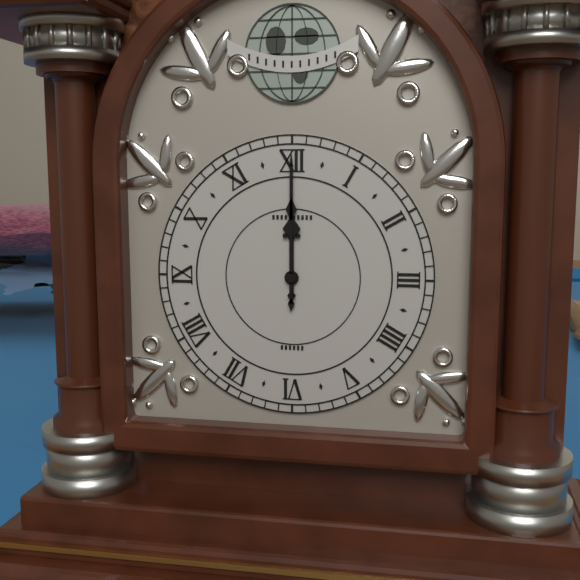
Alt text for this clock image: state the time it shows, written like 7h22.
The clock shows 12h00
